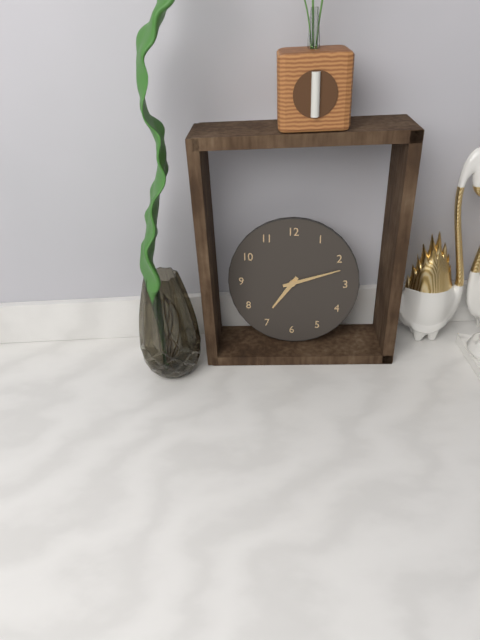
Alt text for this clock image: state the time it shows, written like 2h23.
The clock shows 7h12
